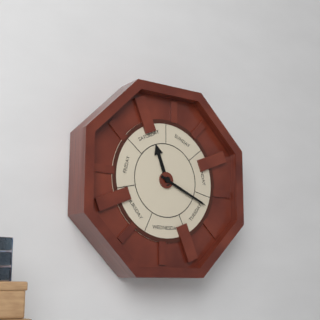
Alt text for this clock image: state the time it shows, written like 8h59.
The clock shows 11h19
